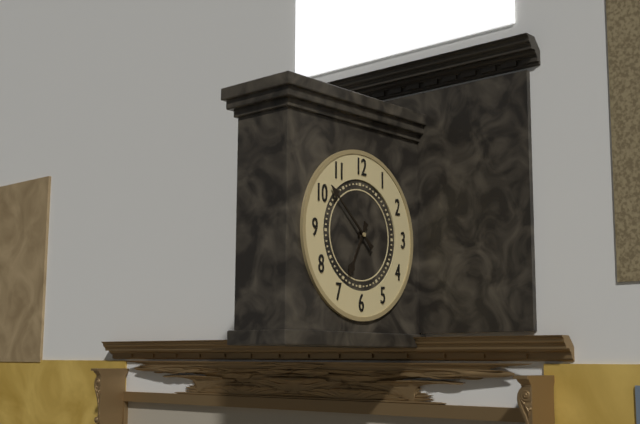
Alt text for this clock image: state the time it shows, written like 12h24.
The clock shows 6h52
